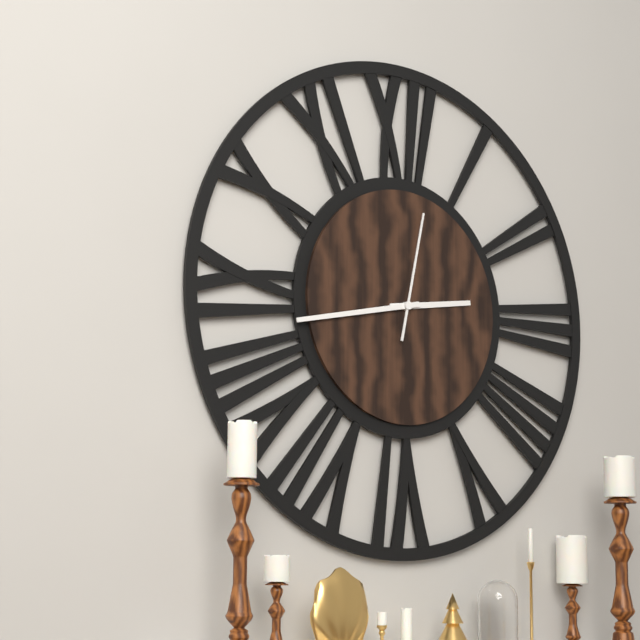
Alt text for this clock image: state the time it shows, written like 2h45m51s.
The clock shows 2h43m02s
